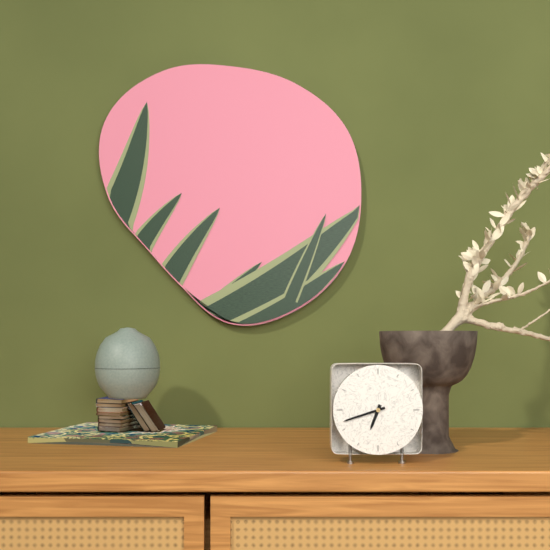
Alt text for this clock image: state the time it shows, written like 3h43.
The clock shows 6h42
